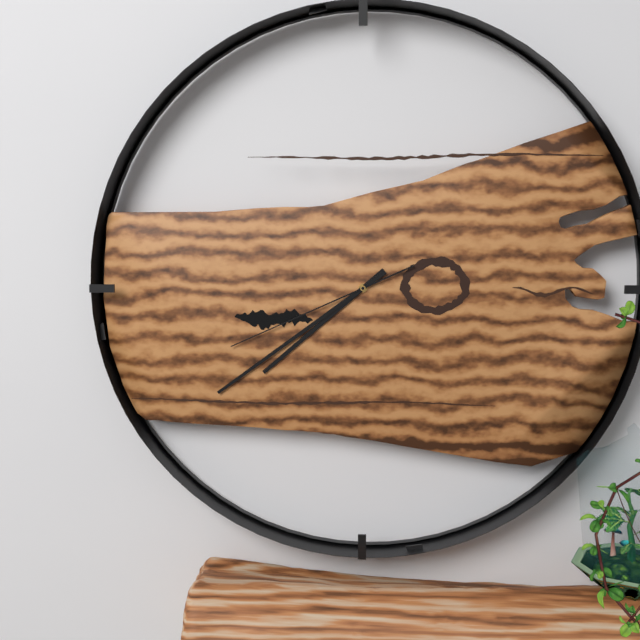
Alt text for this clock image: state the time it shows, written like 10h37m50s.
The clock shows 7h39m41s
